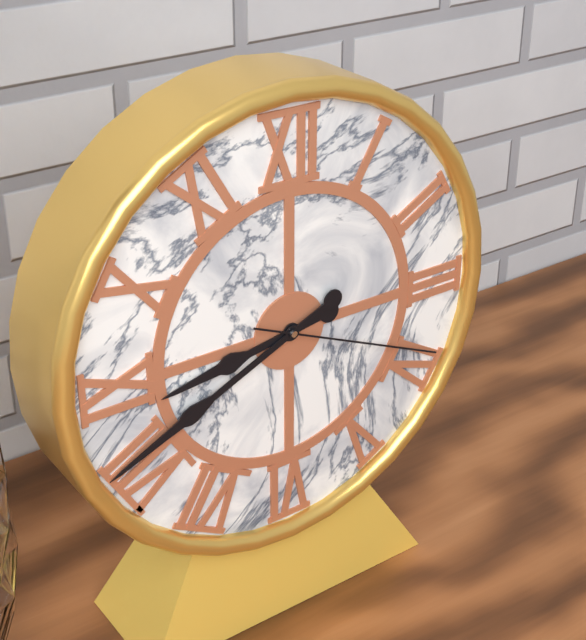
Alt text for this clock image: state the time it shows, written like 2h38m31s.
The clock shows 8h41m19s
